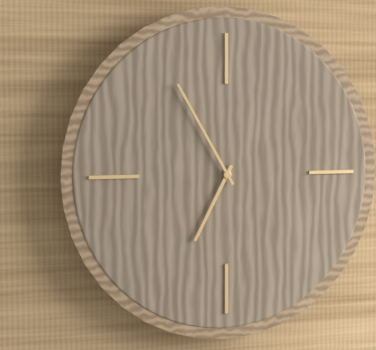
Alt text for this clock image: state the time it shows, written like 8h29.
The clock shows 6h55
